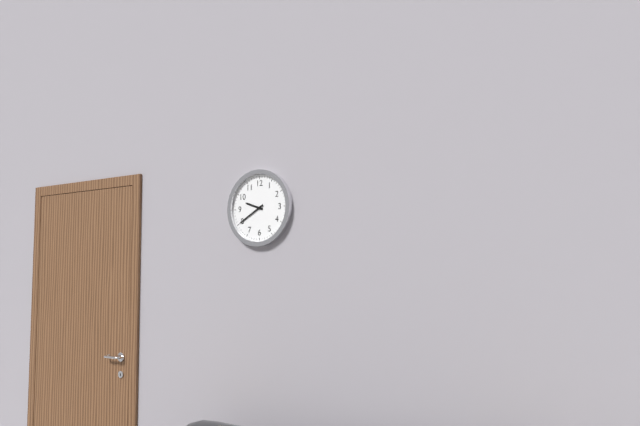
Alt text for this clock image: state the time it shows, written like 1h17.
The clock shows 9h40
